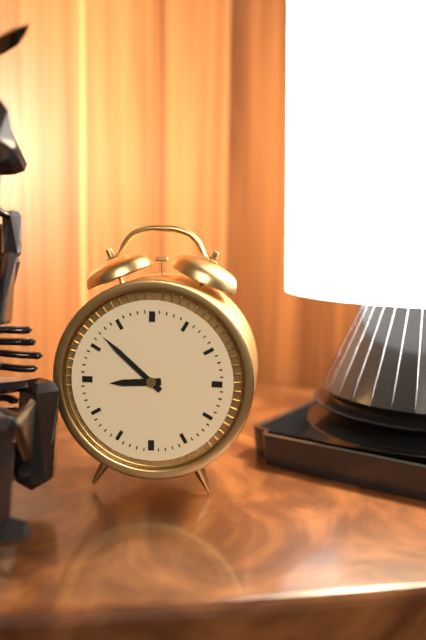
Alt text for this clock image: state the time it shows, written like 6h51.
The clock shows 8h52
